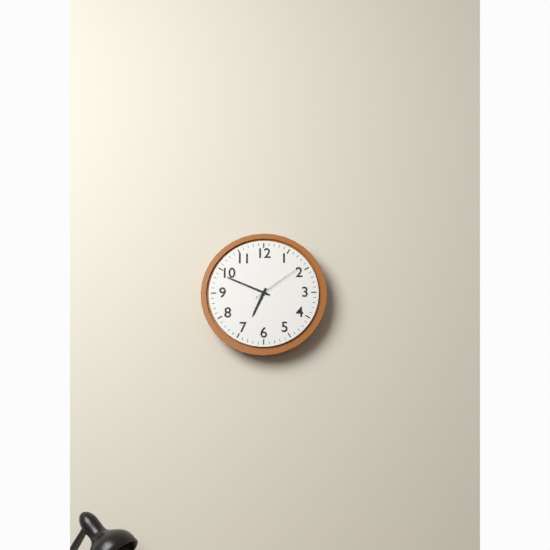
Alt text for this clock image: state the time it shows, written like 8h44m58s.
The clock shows 6h49m09s
